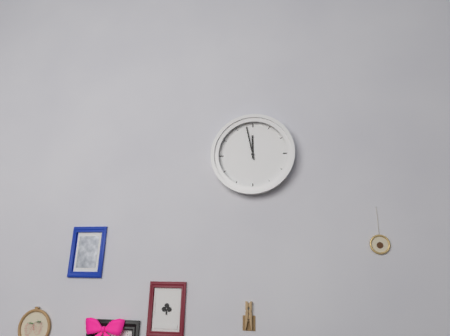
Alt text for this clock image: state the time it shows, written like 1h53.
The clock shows 11h58
